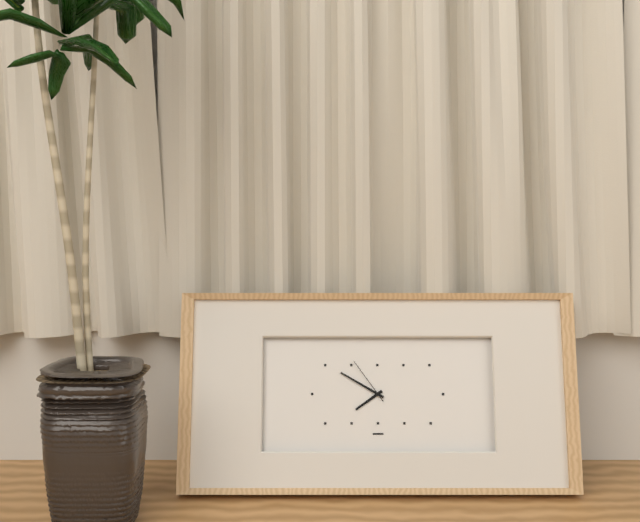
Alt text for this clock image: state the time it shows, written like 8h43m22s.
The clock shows 7h50m54s
